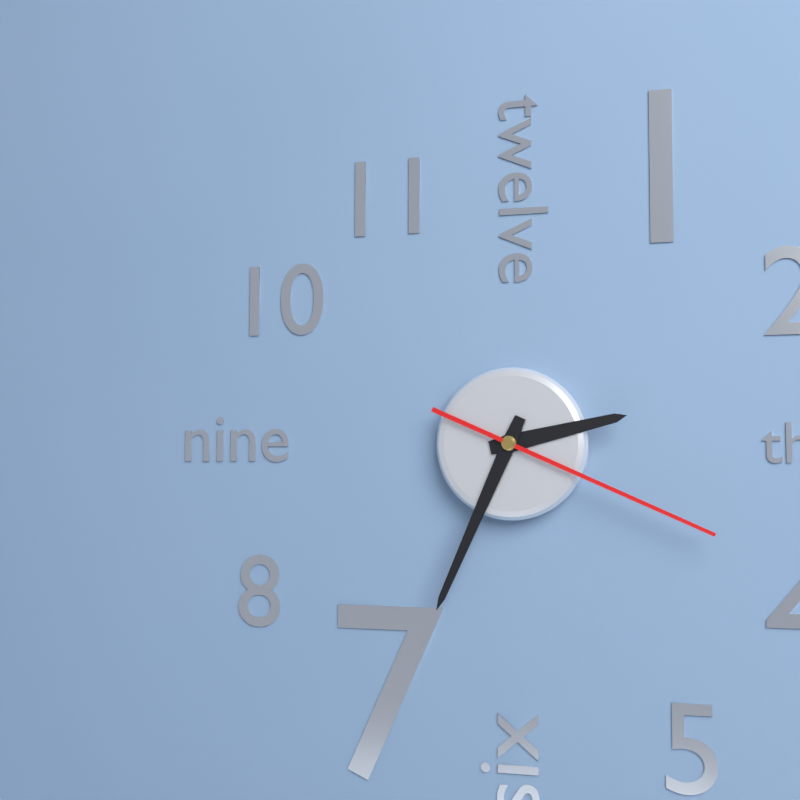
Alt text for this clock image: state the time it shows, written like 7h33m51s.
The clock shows 2h34m19s
